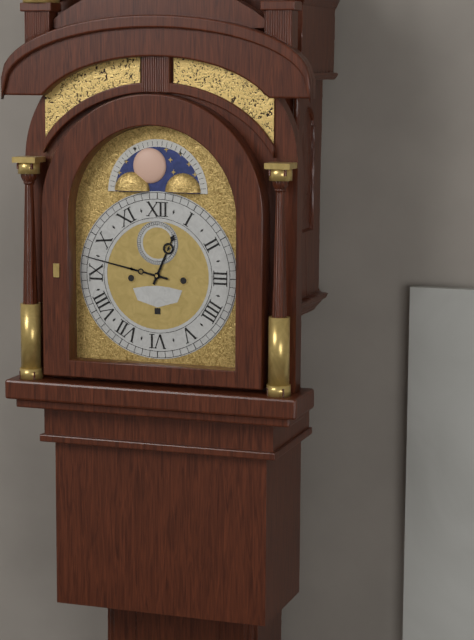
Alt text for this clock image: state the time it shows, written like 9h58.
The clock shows 12h47
